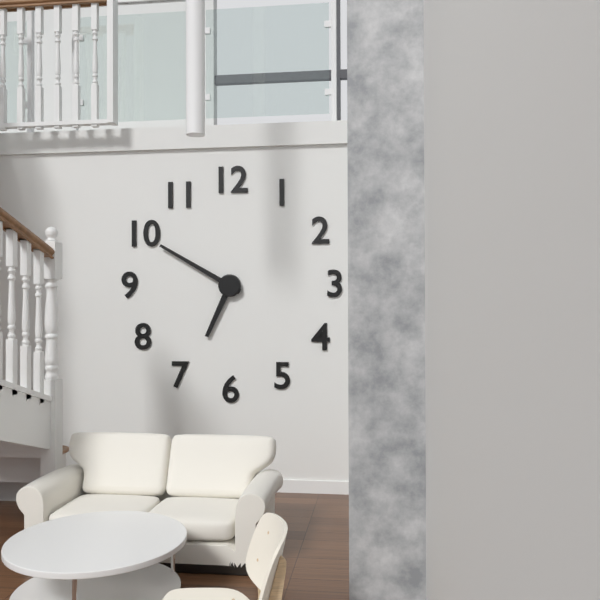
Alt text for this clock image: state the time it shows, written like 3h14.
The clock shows 6h50
